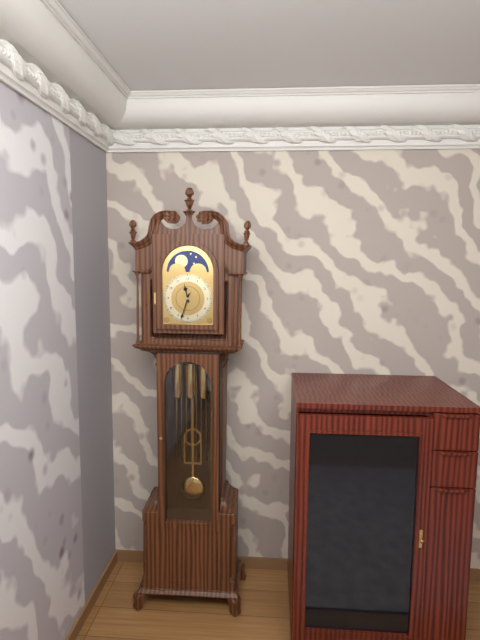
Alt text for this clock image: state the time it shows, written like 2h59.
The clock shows 11h33
